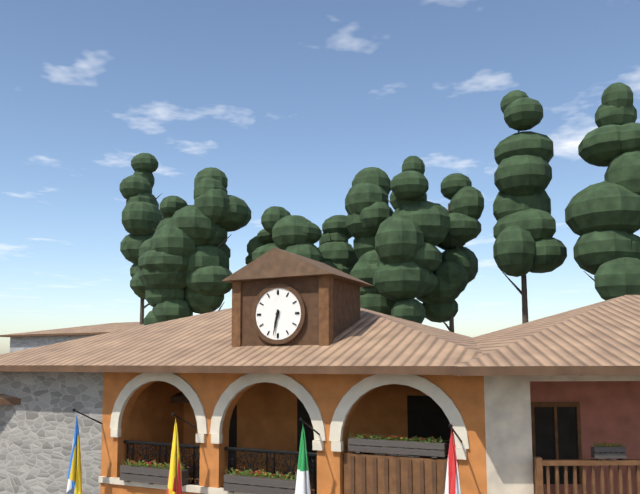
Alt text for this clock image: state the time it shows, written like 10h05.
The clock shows 6h32
